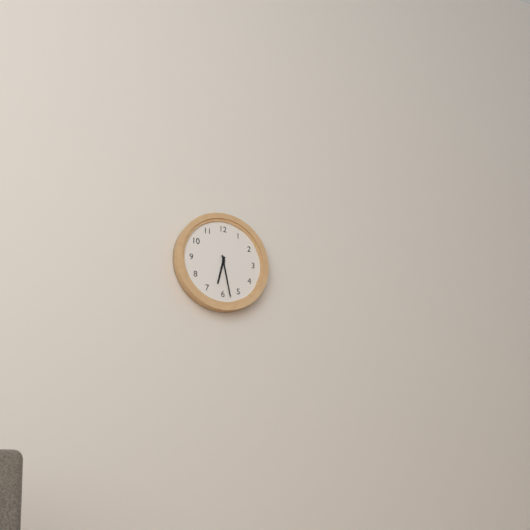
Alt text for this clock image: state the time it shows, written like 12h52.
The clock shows 6h28
